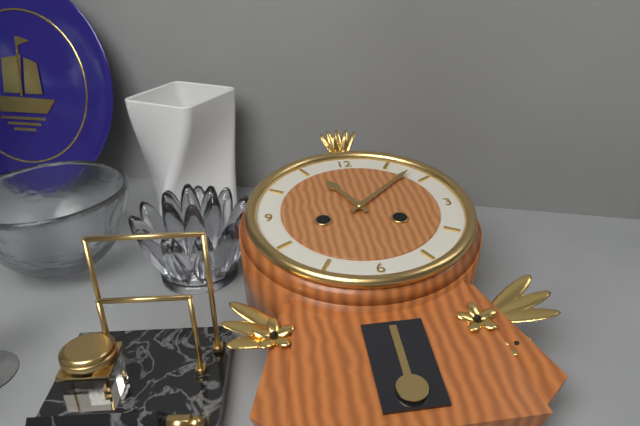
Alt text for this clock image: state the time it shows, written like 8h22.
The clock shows 11h08
